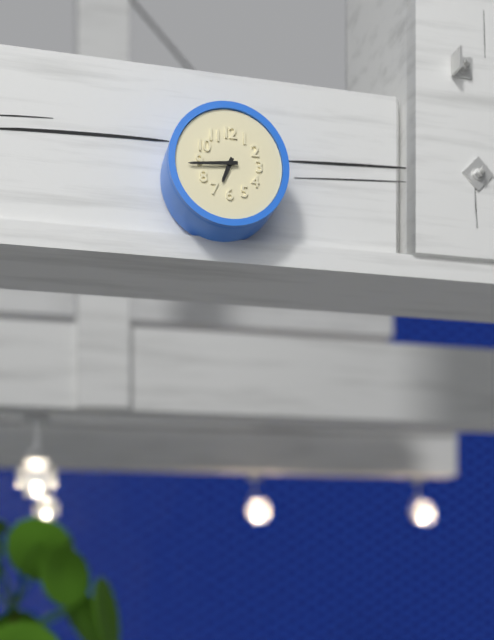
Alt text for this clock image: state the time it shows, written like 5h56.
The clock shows 6h44
